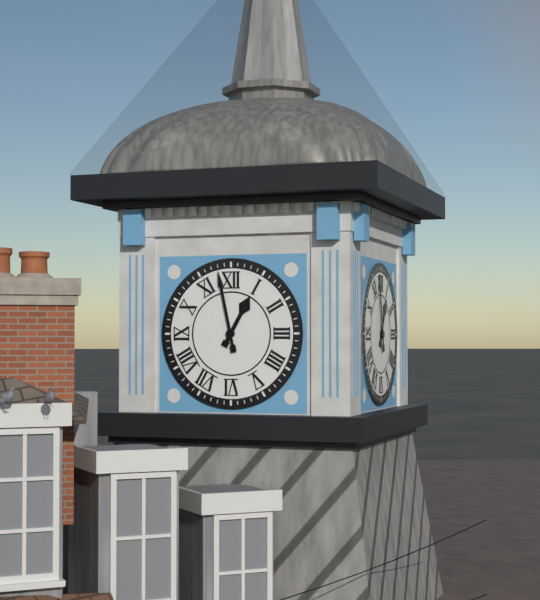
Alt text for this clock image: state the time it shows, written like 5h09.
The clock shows 12h58
